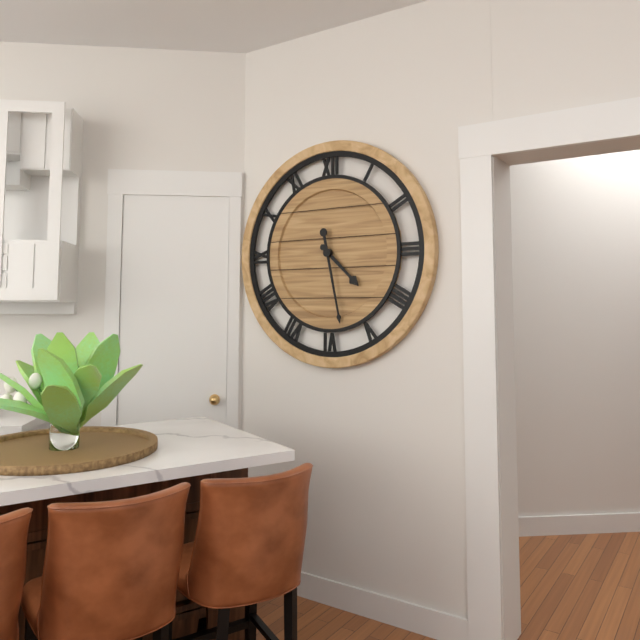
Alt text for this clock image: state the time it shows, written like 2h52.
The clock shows 4h28
